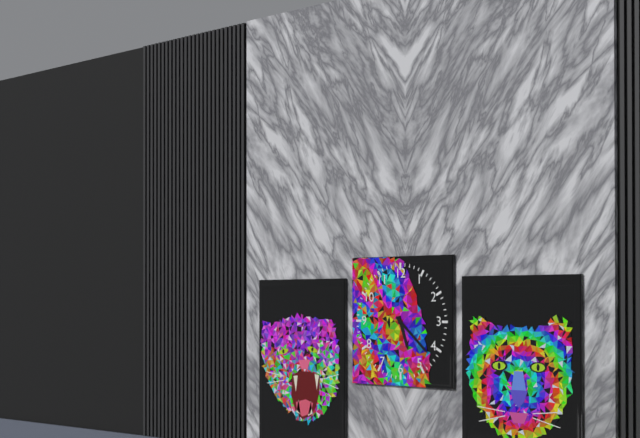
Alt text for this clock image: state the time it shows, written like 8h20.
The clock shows 5h22
